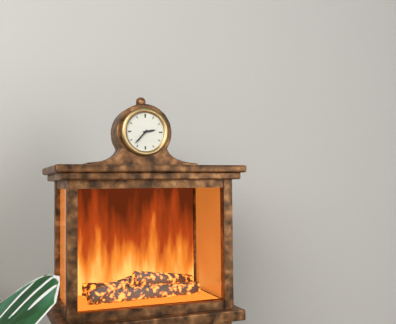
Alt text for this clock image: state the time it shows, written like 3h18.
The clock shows 2h37
